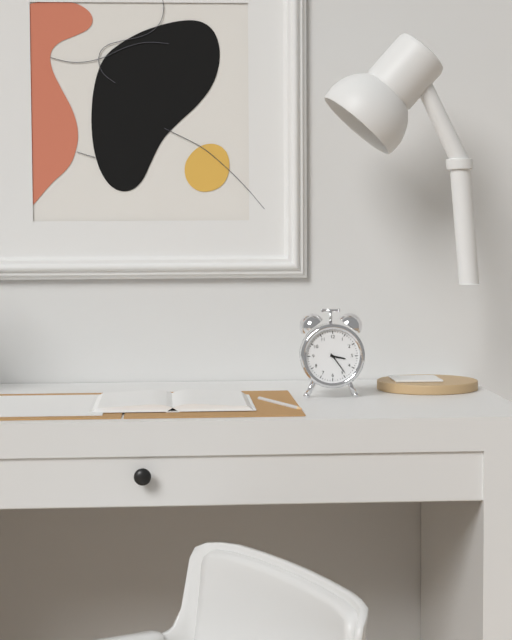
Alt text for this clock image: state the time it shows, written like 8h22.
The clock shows 3h24
